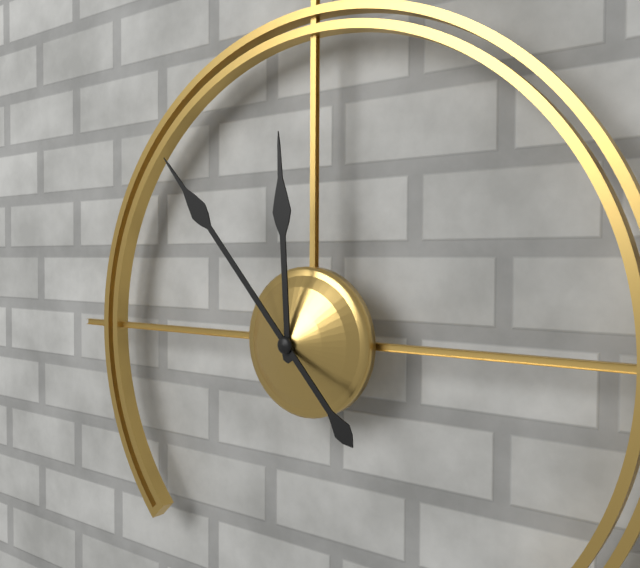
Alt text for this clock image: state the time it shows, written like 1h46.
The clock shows 11h53
